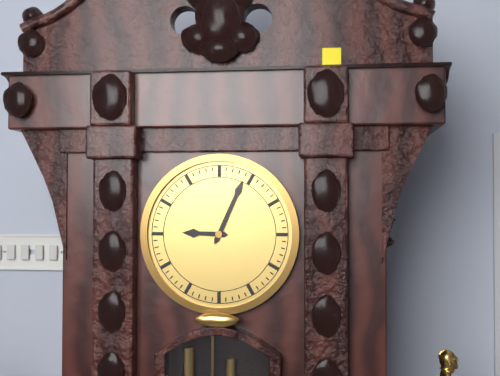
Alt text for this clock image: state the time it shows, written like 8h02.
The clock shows 9h04
